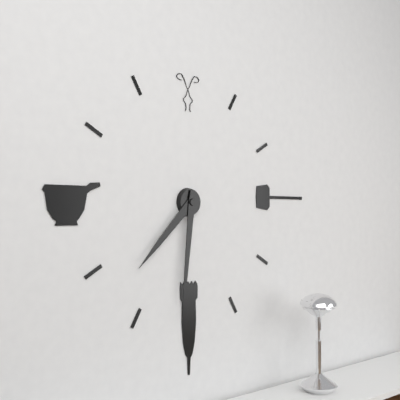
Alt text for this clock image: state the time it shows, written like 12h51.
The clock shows 7h31
